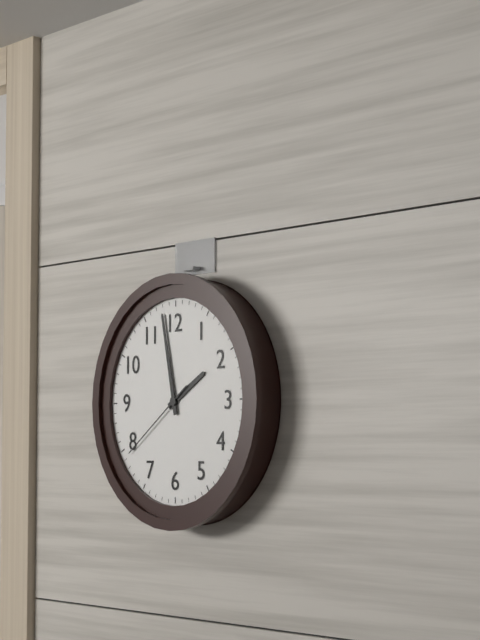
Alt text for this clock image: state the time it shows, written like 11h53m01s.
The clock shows 1h58m39s
